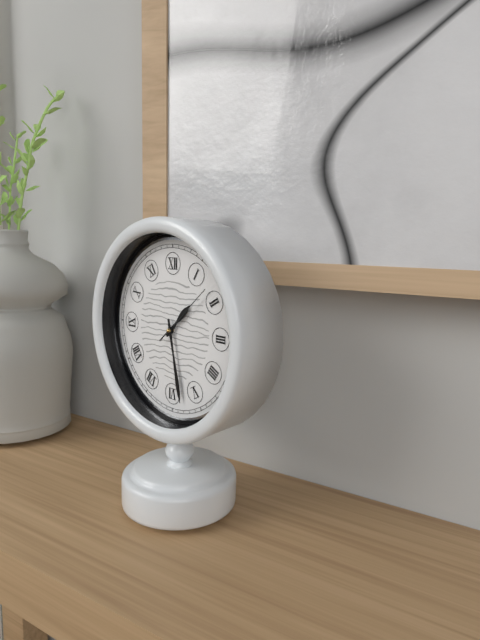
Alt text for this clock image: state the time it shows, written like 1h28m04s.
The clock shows 1h28m08s
